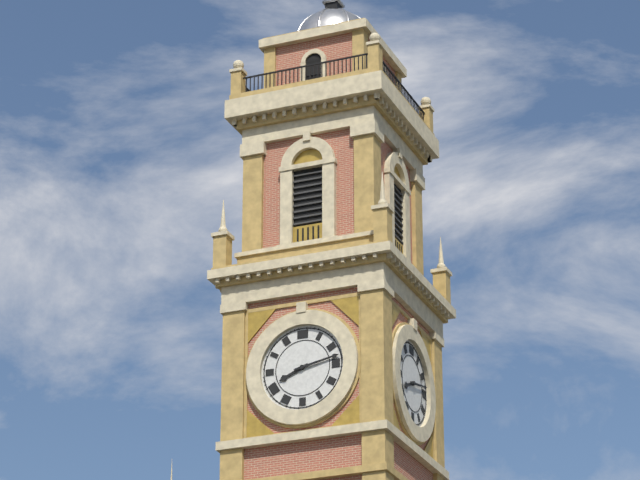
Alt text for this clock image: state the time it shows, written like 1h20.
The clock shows 8h13
